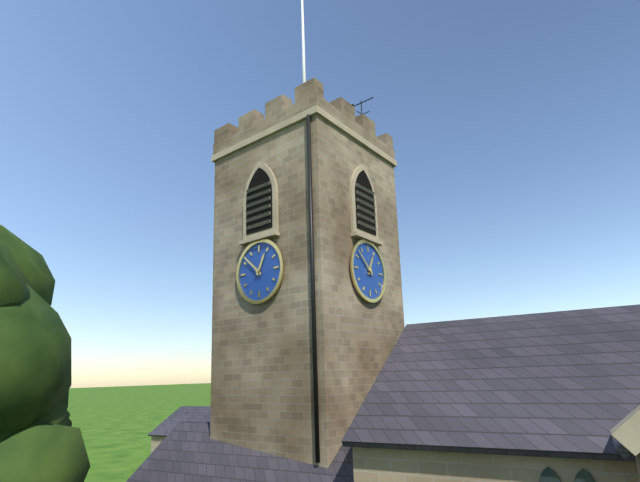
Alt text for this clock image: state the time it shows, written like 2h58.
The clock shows 12h52
